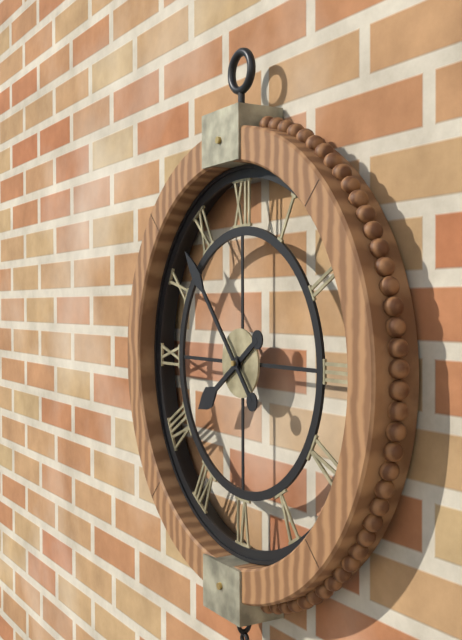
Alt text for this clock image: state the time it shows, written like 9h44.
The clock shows 7h53
